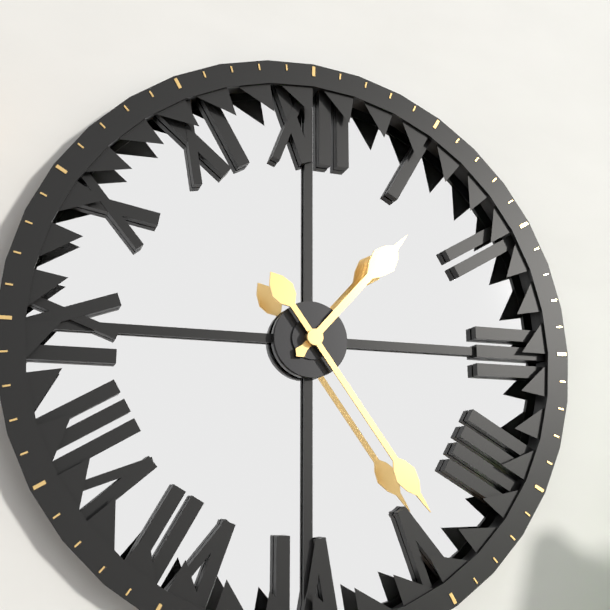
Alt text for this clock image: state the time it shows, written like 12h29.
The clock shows 1h24
